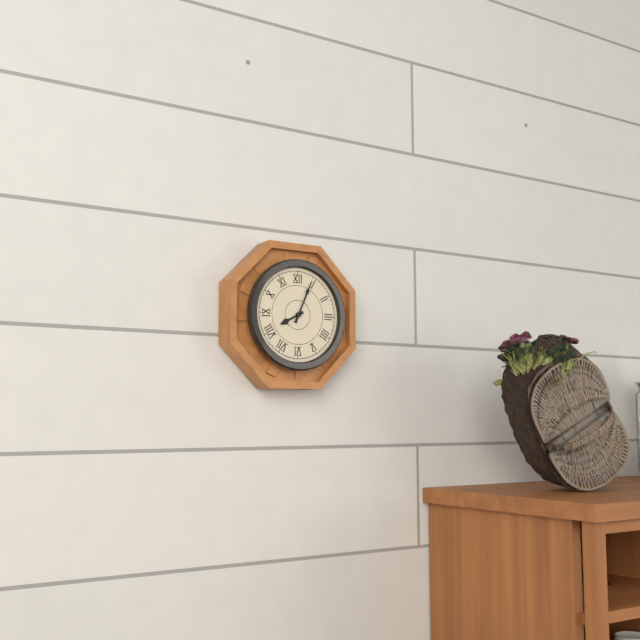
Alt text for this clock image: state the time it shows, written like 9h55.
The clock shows 8h04
